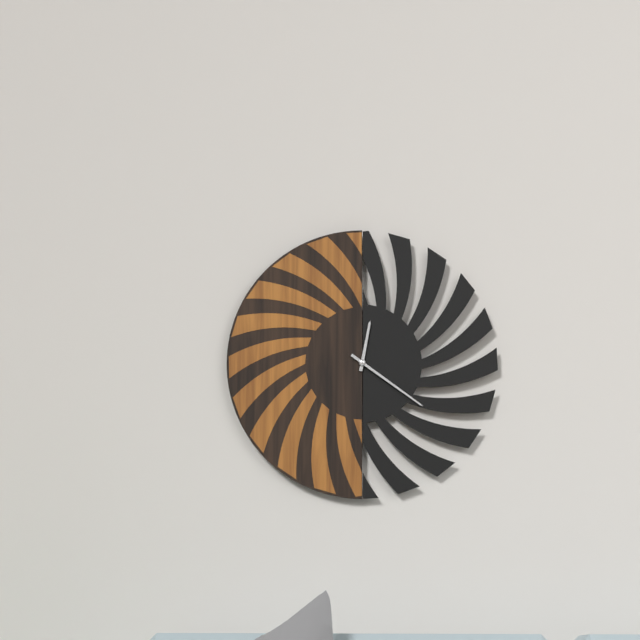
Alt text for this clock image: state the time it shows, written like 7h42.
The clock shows 12h21
